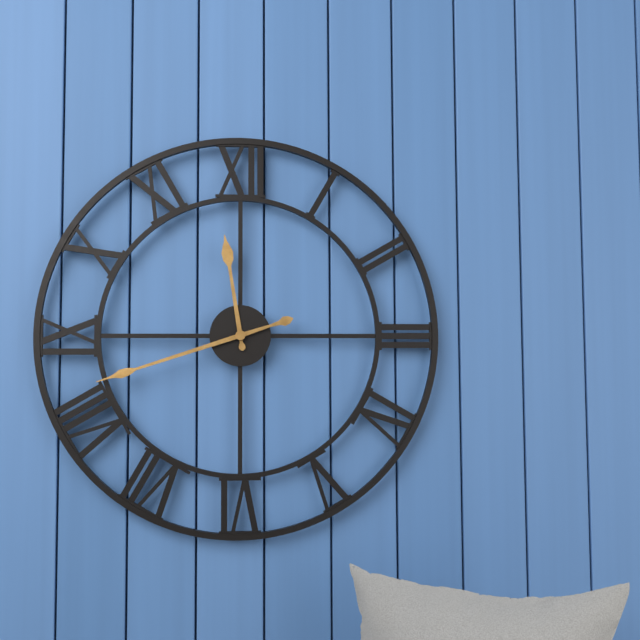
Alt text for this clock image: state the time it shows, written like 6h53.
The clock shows 11h42
